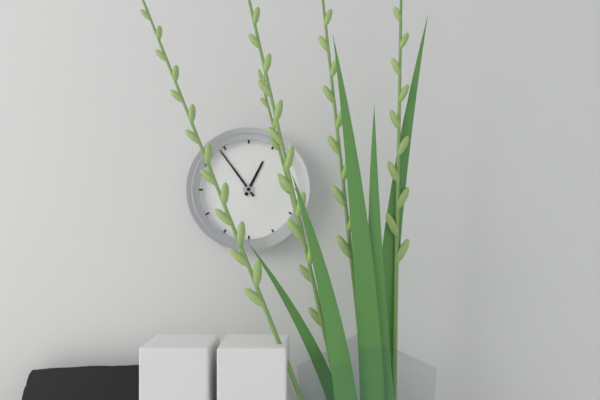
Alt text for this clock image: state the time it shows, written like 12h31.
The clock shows 12h54
